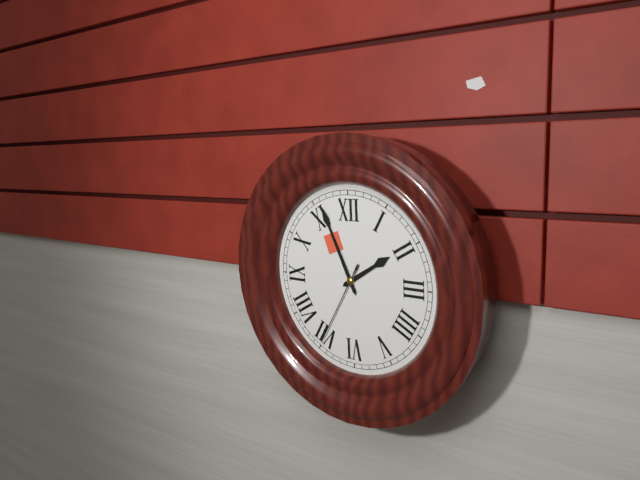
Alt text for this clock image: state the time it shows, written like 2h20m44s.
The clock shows 1h56m35s
